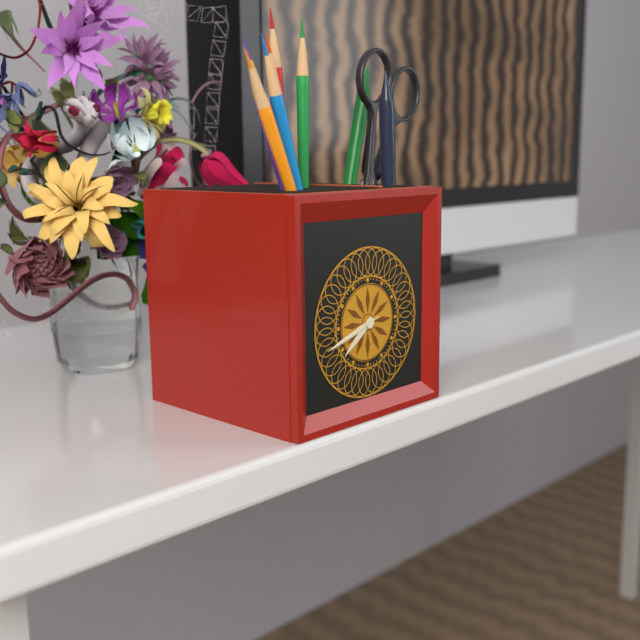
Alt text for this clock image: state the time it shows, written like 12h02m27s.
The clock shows 7h42m42s
